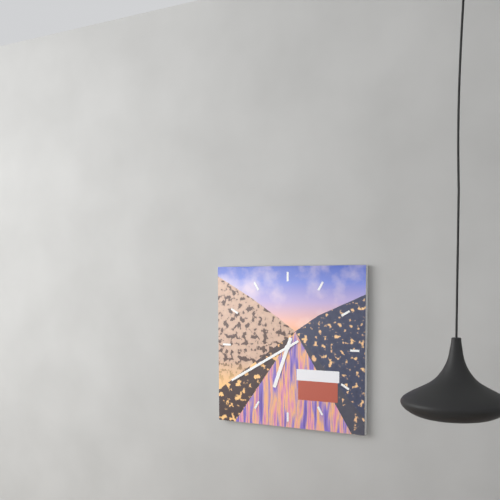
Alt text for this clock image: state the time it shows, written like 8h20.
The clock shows 6h40
